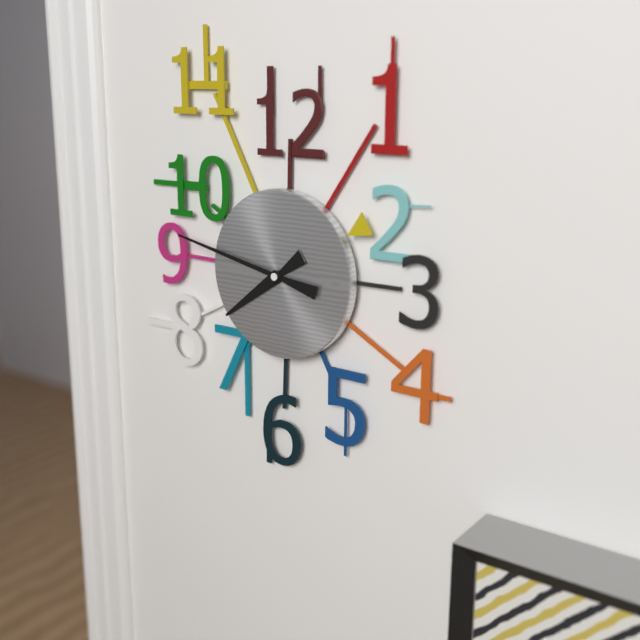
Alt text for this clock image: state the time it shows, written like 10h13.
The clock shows 7h47
